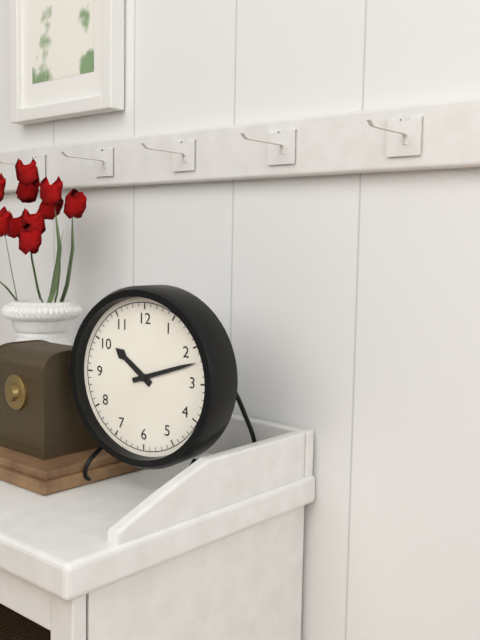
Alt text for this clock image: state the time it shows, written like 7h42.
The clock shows 10h12
